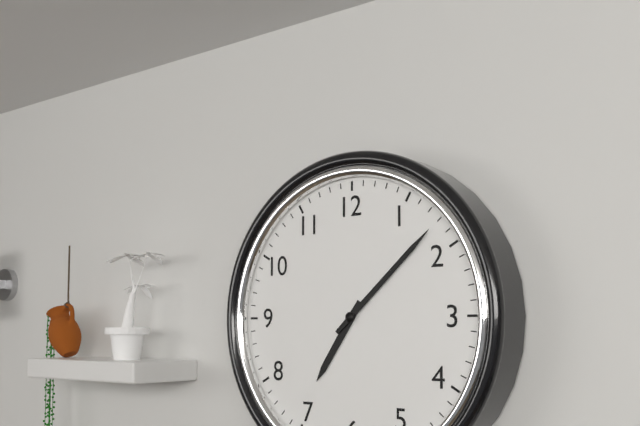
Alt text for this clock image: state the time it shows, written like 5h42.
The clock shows 7h08
